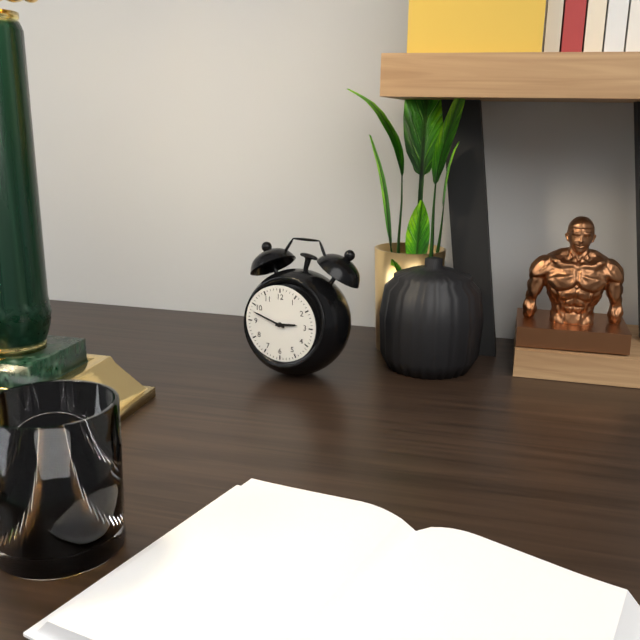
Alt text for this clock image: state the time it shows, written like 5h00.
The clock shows 2h48
